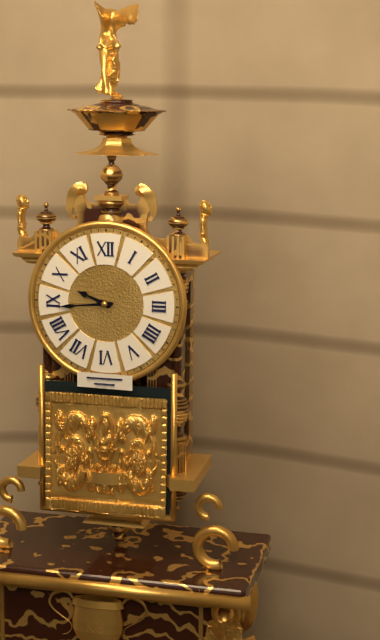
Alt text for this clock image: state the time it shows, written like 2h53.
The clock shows 9h44
